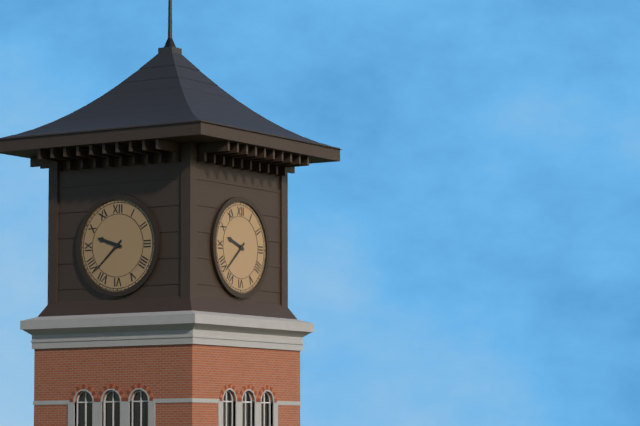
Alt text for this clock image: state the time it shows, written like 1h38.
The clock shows 9h38
